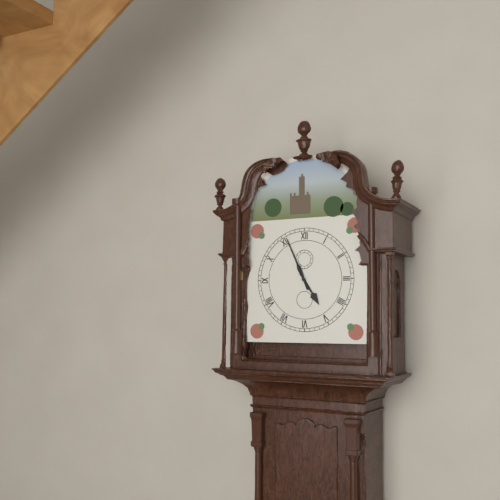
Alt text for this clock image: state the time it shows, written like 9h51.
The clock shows 4h56
